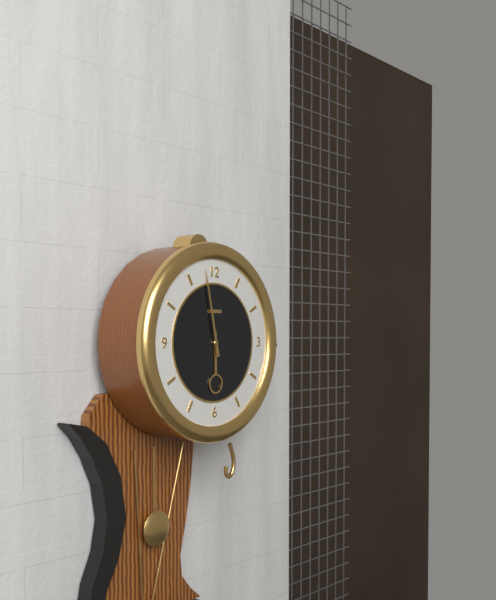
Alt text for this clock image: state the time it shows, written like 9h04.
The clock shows 5h58
